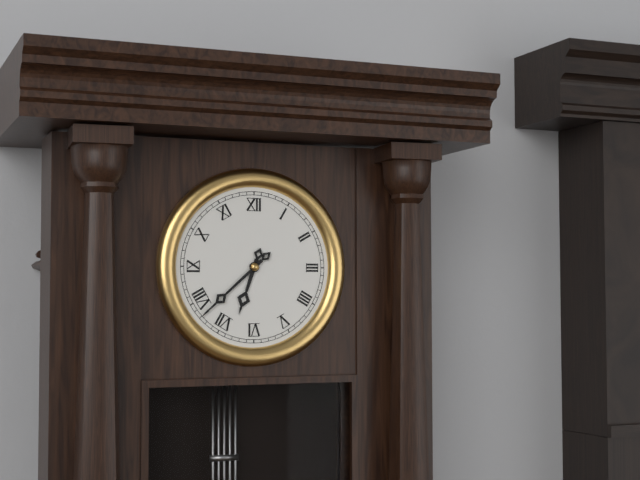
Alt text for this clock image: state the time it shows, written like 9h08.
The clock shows 6h38
